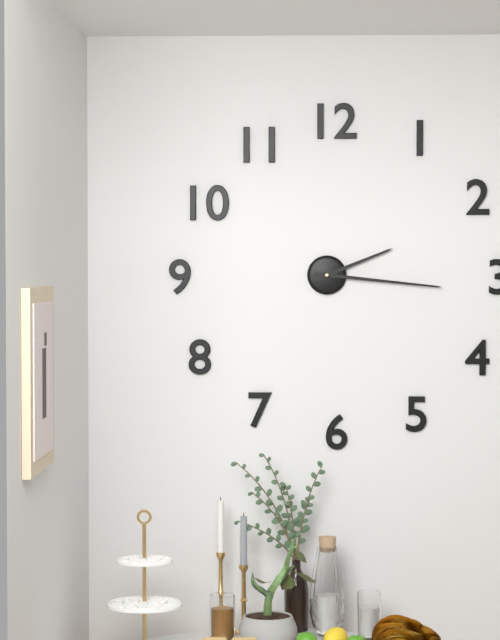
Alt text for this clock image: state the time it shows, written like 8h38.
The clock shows 2h16
